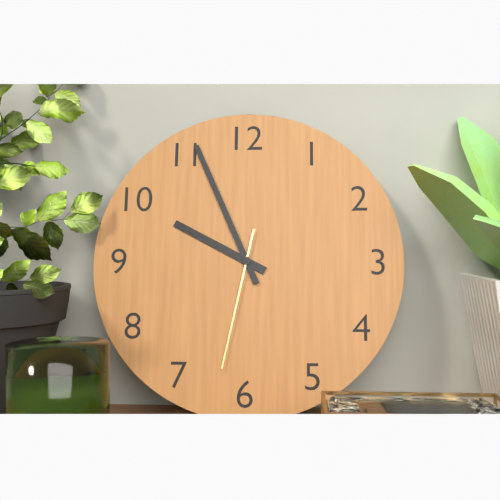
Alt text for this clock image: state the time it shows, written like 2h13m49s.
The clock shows 9h56m32s
